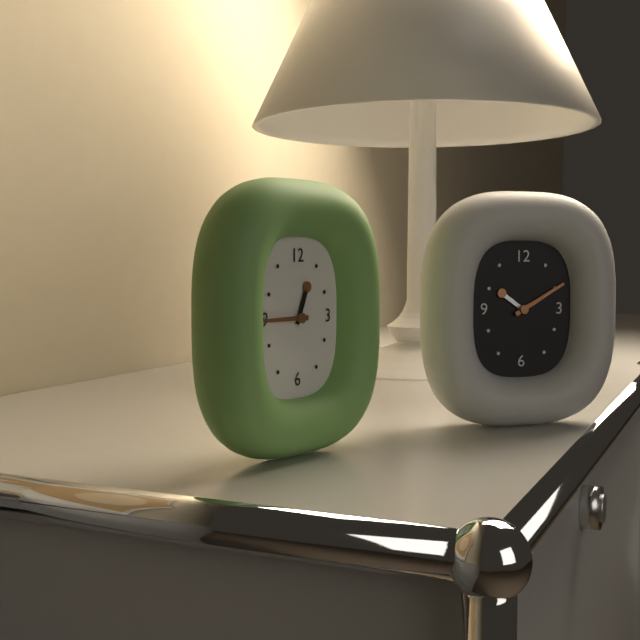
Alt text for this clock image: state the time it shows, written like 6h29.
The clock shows 12h45
